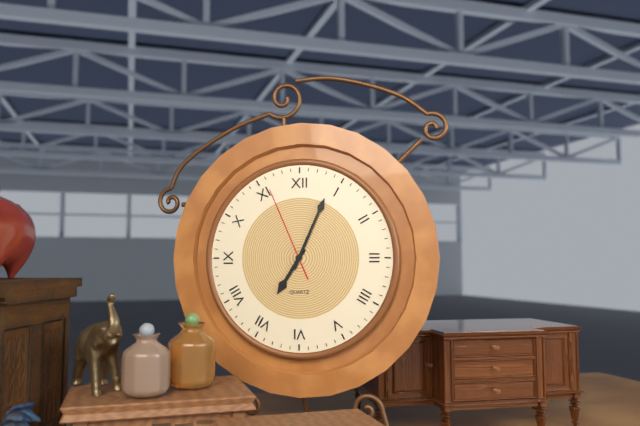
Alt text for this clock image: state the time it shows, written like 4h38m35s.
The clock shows 7h04m56s
